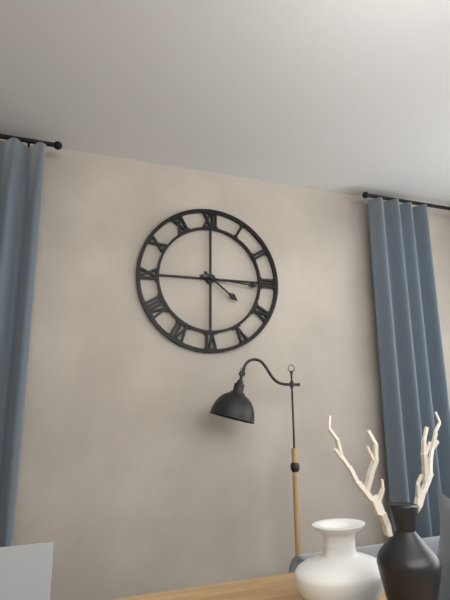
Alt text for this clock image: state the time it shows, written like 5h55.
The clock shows 4h16
